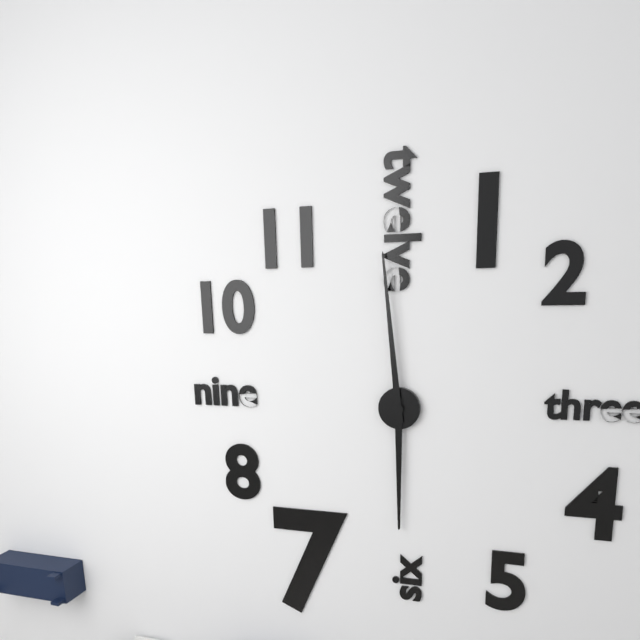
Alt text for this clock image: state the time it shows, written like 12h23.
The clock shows 5h59
